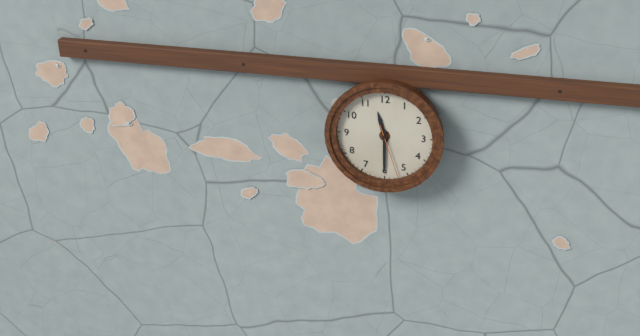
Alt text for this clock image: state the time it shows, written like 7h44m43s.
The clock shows 11h30m27s
